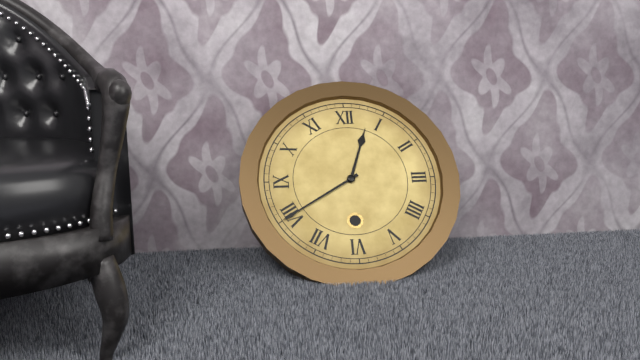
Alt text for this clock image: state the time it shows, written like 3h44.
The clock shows 12h40
